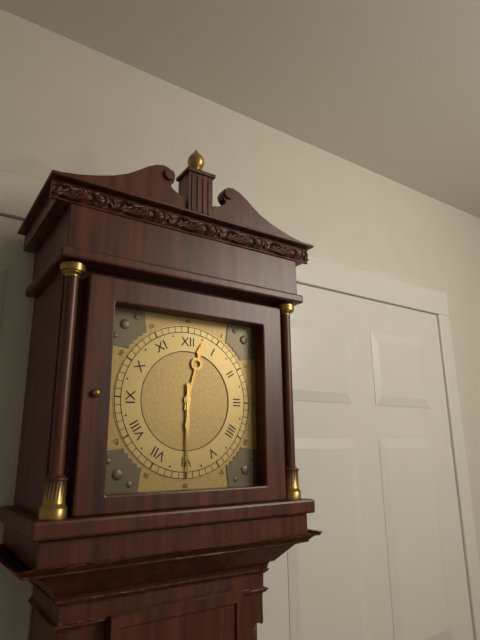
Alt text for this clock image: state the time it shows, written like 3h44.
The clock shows 12h30
